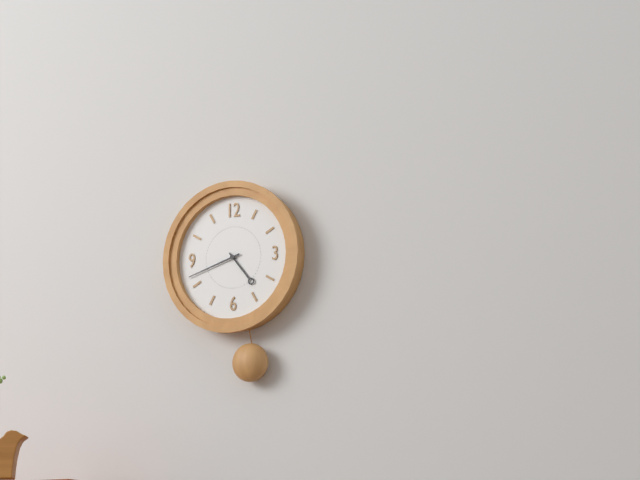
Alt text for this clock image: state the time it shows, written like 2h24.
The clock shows 4h42
